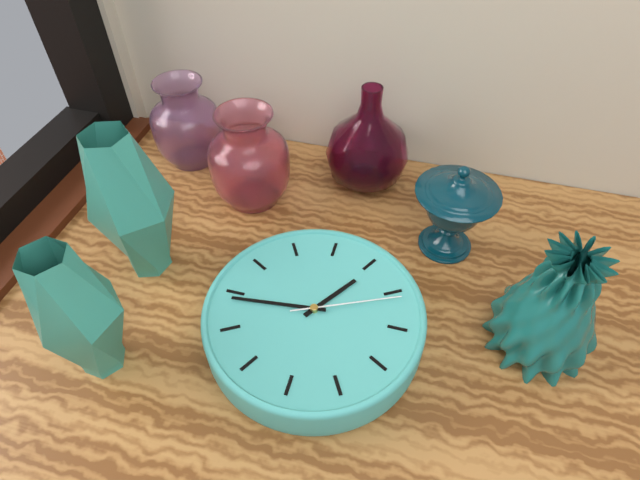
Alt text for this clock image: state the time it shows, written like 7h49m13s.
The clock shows 6h09m36s
